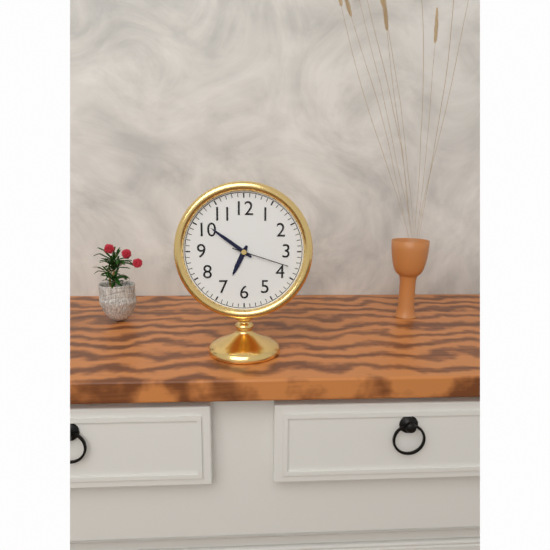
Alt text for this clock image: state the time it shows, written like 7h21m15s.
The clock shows 6h51m18s
